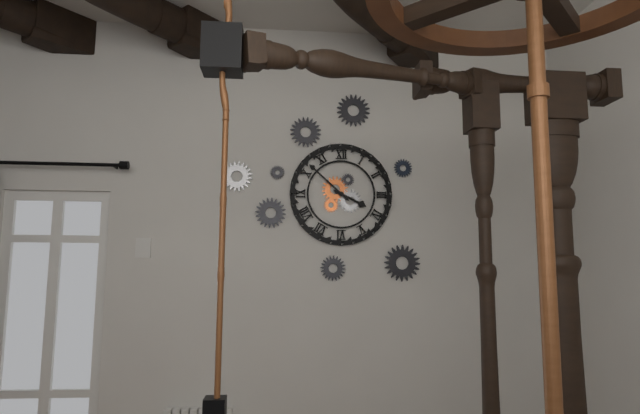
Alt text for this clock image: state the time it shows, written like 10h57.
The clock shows 3h52
